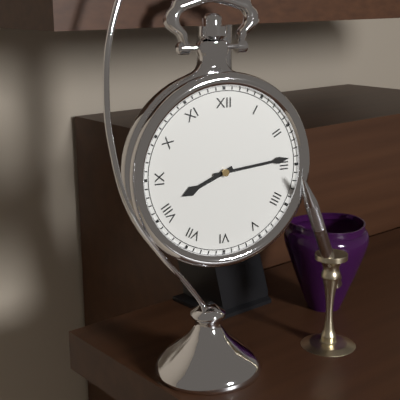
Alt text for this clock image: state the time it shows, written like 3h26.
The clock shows 8h14
